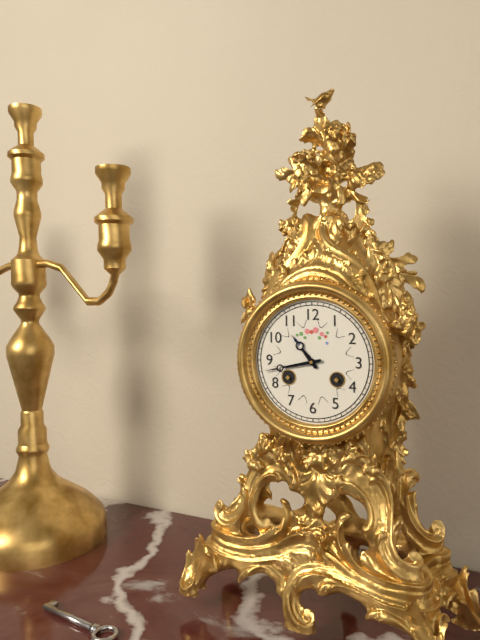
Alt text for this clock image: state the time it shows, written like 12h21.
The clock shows 10h43
